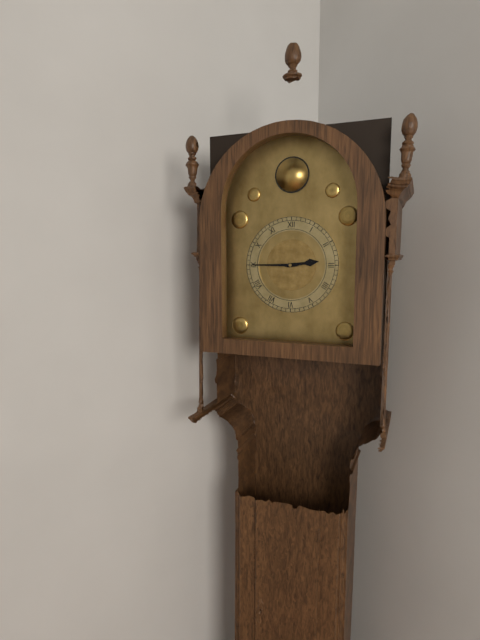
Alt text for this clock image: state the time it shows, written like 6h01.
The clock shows 2h45
